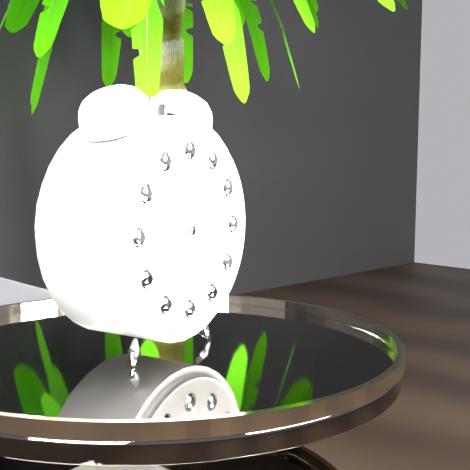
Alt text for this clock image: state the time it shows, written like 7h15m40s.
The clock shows 9h33m39s
